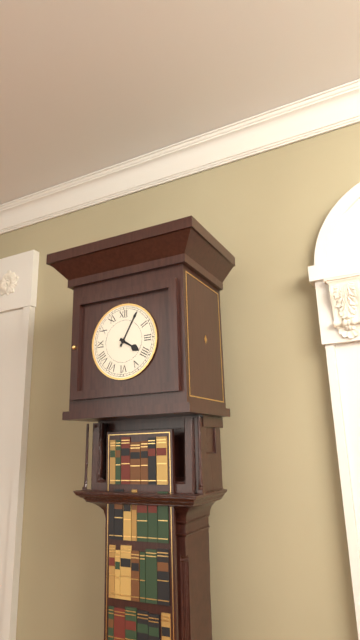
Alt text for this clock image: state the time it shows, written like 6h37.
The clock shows 4h05
